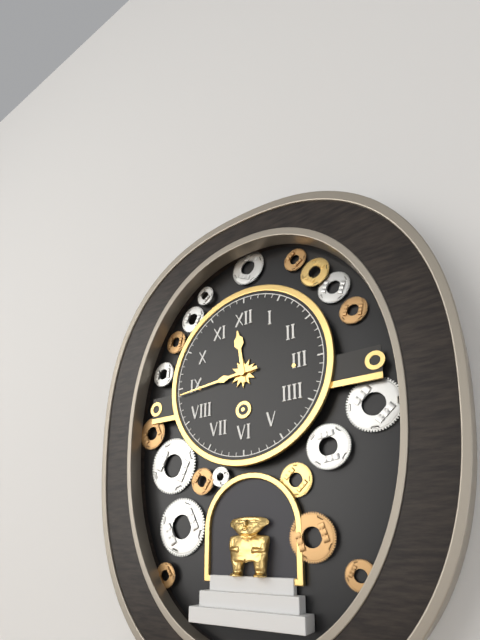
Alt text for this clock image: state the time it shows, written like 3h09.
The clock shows 11h44
